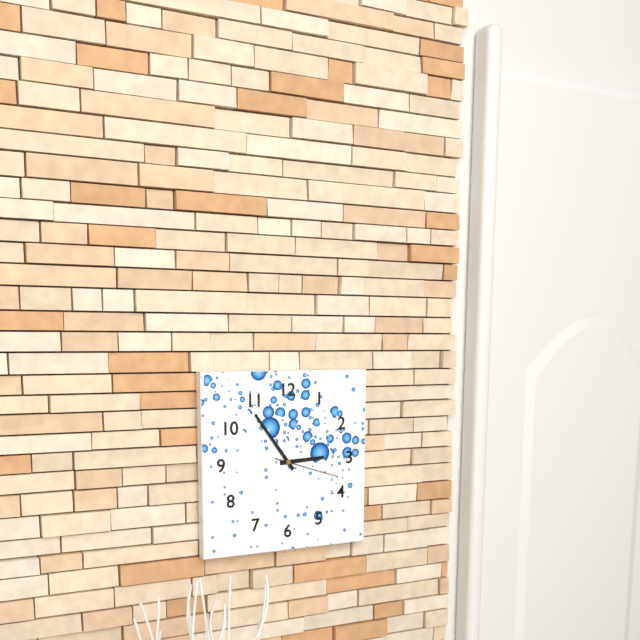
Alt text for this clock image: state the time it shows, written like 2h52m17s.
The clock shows 2h54m18s
